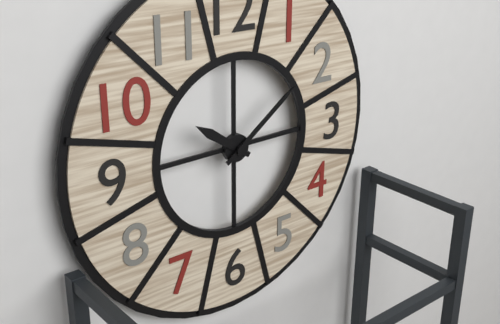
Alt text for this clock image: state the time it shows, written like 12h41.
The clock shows 10h09
